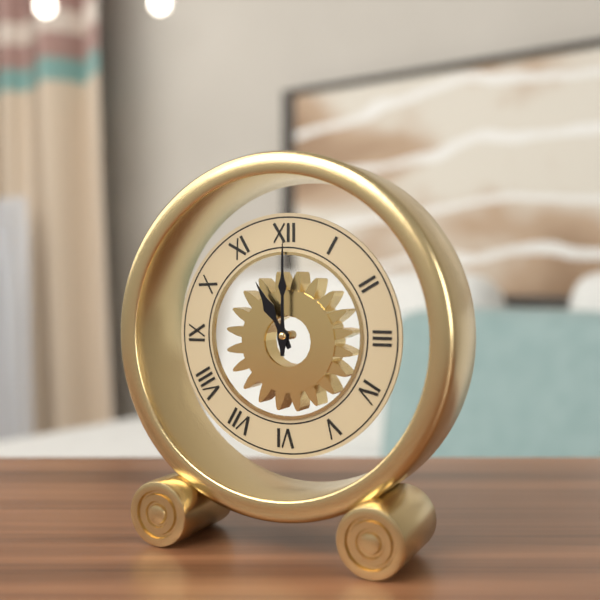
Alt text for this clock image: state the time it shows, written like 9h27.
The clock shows 11h00
